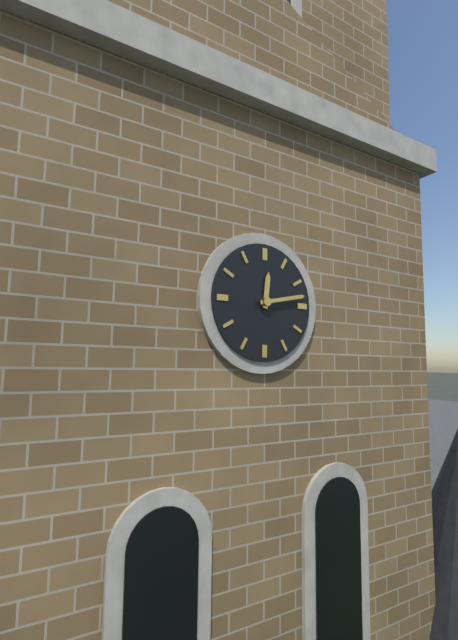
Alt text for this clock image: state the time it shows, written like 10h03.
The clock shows 12h13
